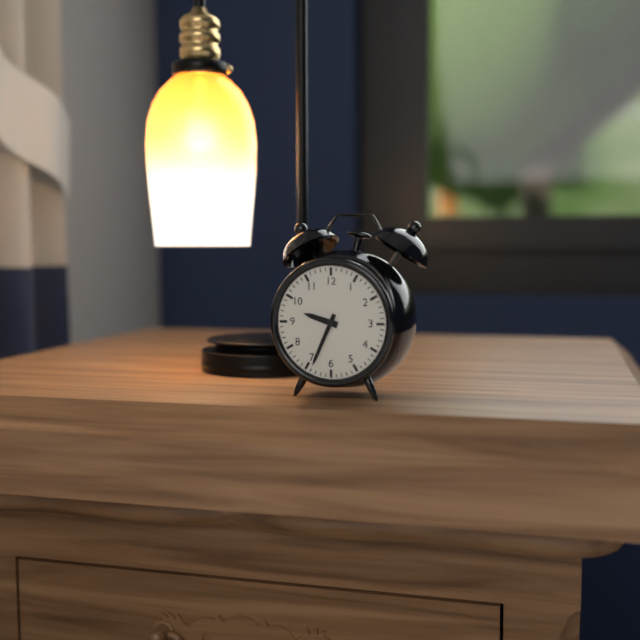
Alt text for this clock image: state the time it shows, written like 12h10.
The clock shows 9h34
